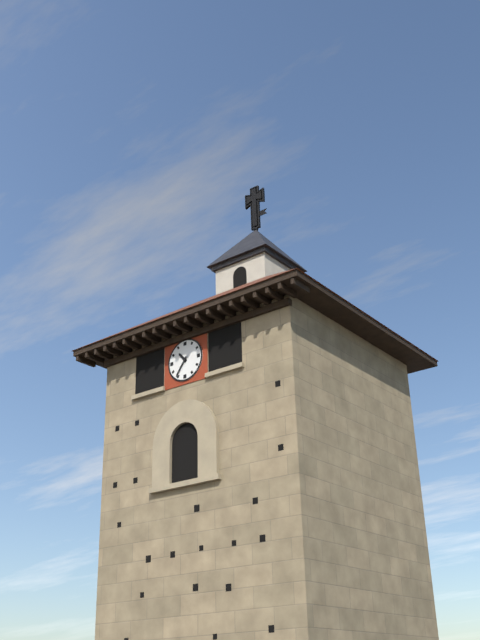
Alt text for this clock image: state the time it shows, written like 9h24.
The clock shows 10h36
